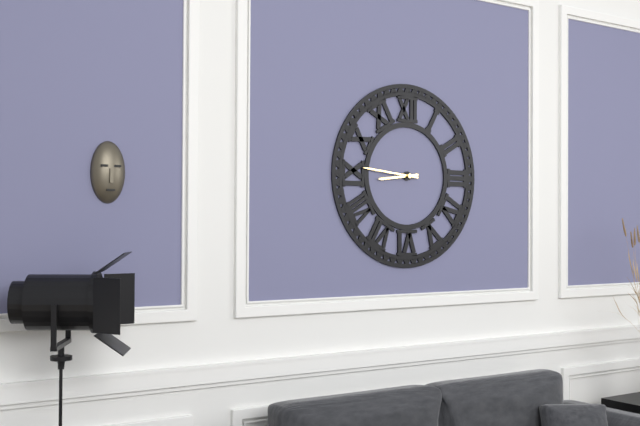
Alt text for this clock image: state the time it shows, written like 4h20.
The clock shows 8h46
